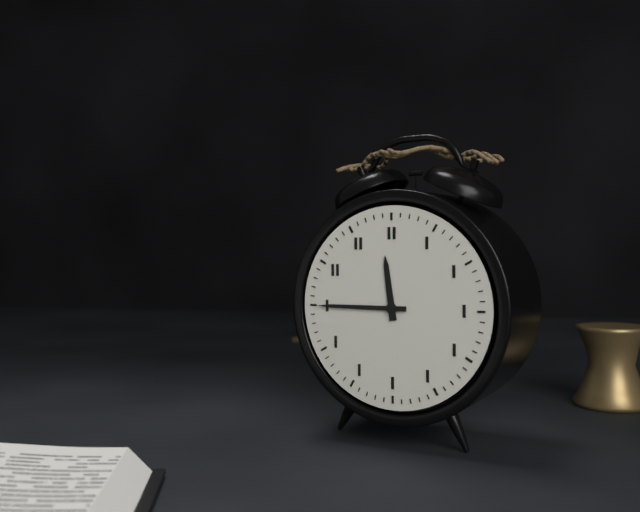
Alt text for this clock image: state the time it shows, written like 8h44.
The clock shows 11h45
